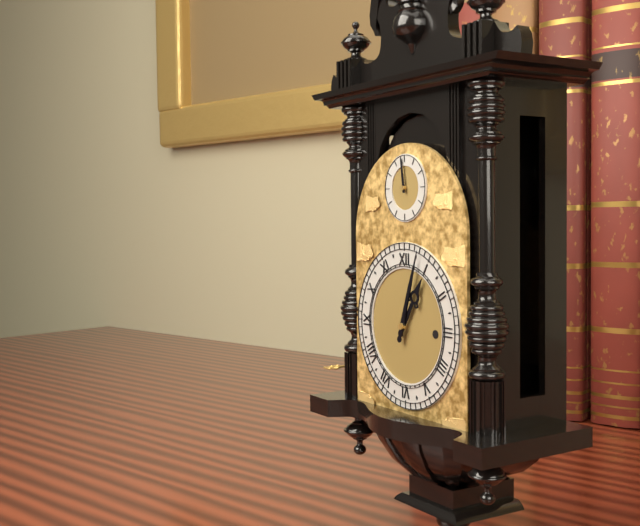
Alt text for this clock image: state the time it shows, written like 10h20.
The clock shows 1h03
